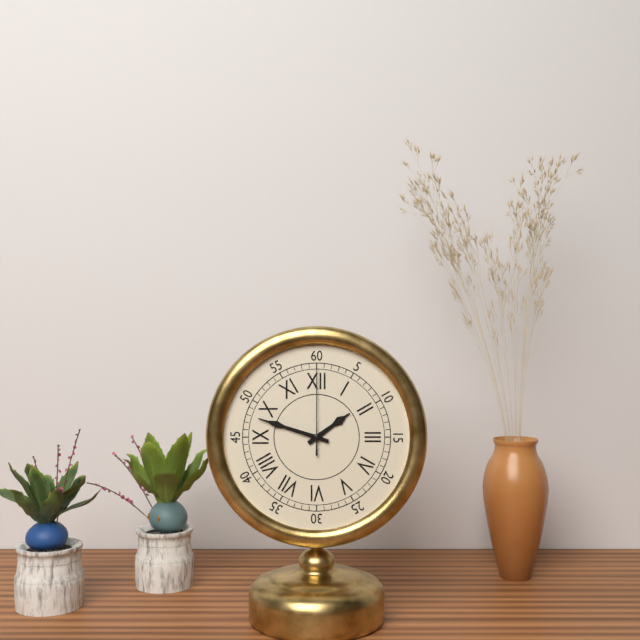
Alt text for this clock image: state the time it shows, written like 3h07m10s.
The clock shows 1h48m00s
